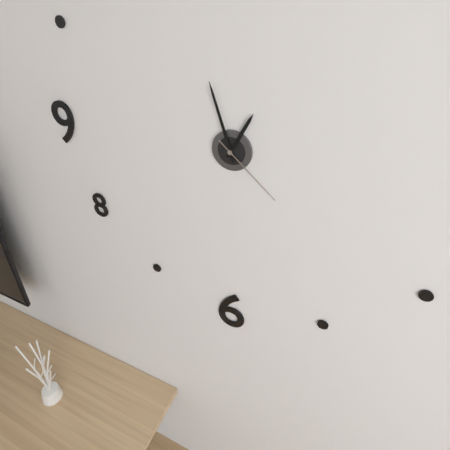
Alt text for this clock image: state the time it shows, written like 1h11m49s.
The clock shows 12h57m22s
